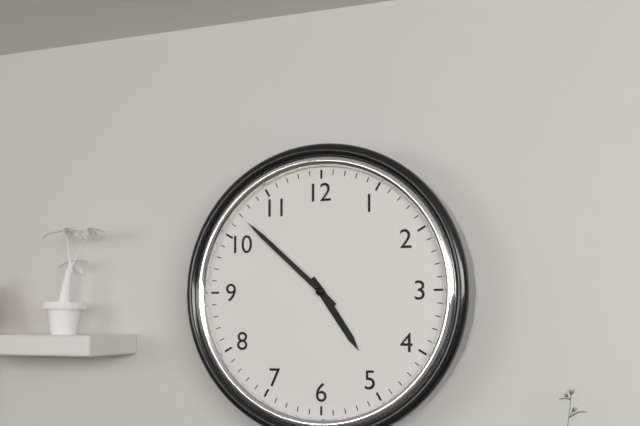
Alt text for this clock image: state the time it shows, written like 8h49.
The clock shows 4h52
